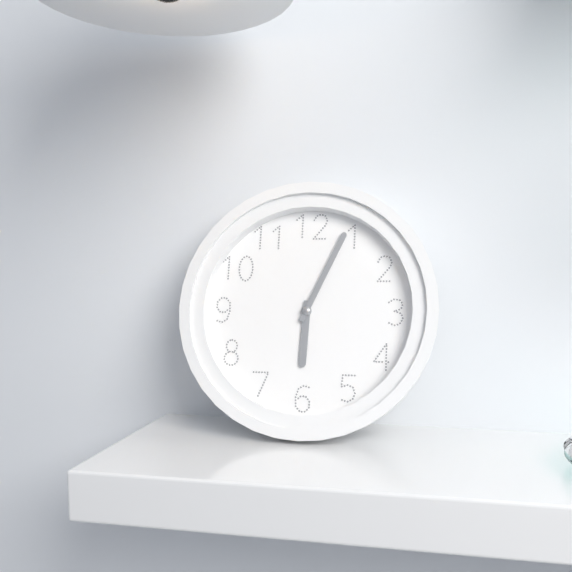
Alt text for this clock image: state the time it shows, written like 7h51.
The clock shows 6h04
